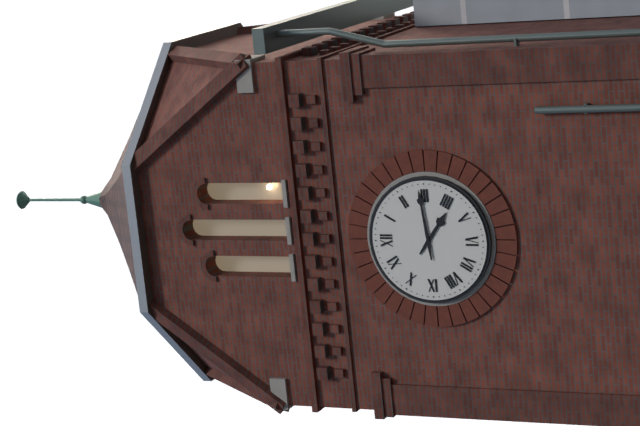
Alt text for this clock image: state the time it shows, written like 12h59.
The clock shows 4h14
